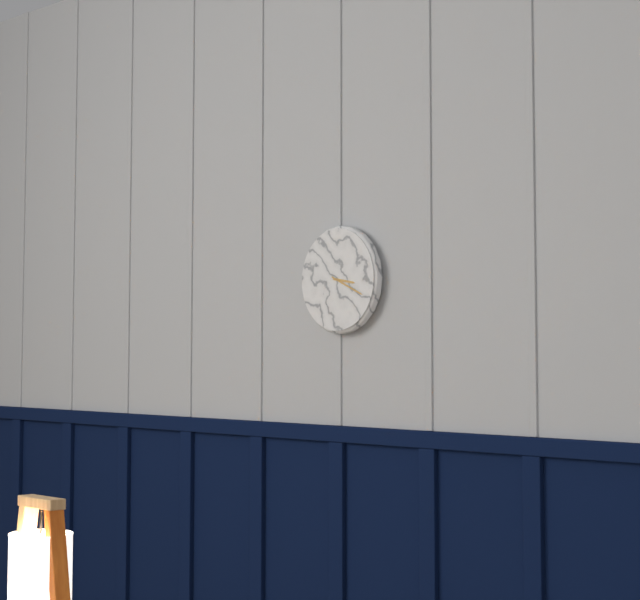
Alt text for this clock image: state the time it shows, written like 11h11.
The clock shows 3h19
